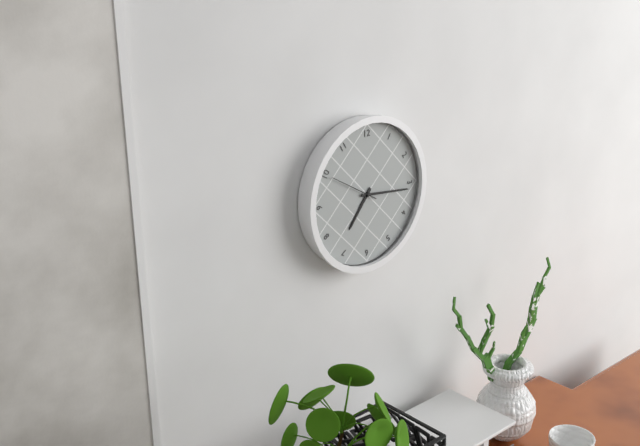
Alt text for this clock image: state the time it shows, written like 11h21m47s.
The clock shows 7h16m50s
